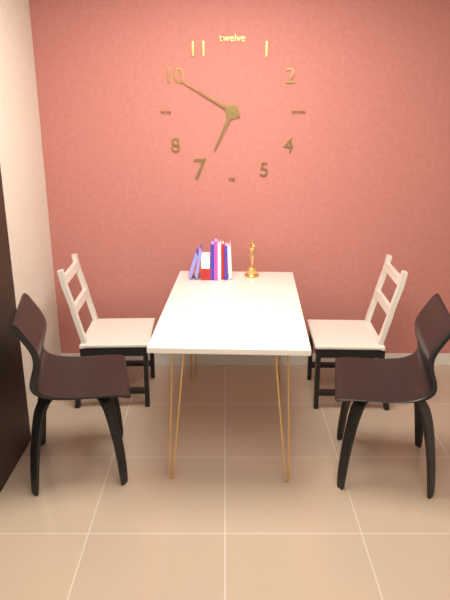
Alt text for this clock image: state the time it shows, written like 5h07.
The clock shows 6h50
